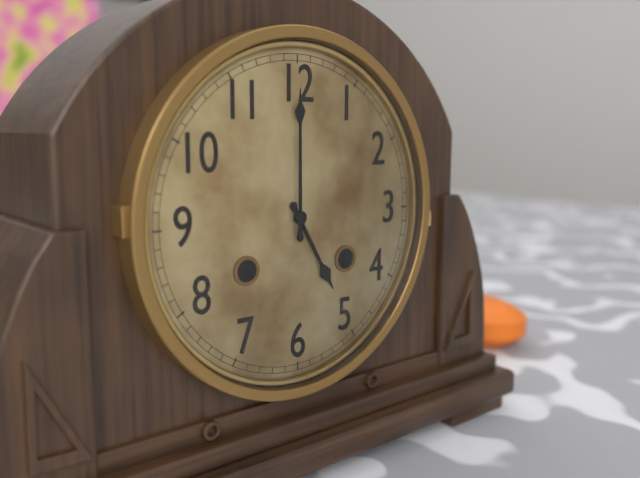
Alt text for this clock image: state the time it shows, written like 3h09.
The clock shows 5h00
